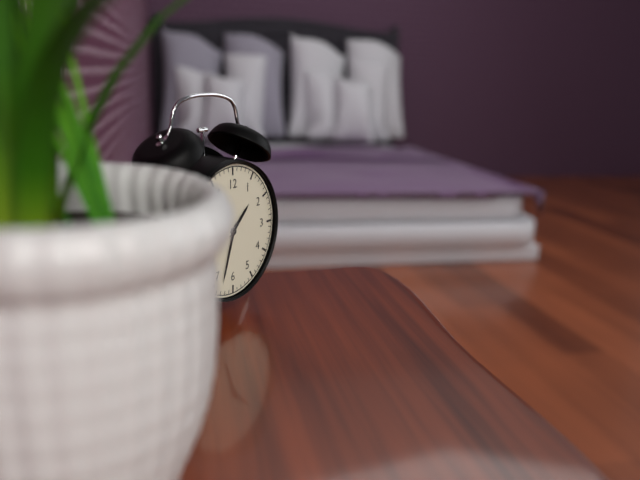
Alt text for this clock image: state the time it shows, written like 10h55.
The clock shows 1h33
